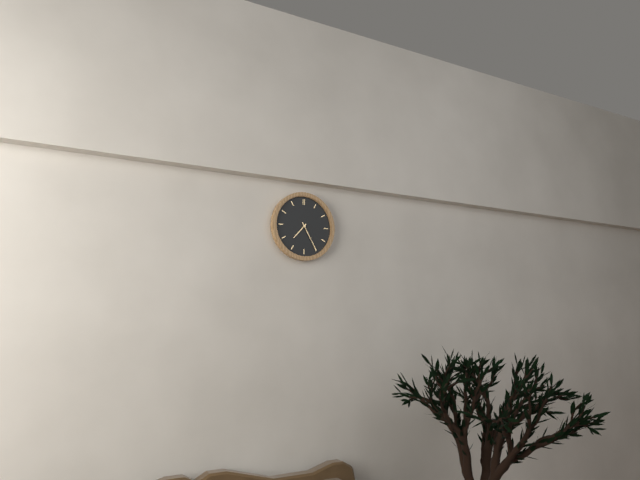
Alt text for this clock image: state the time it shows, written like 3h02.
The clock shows 7h25
